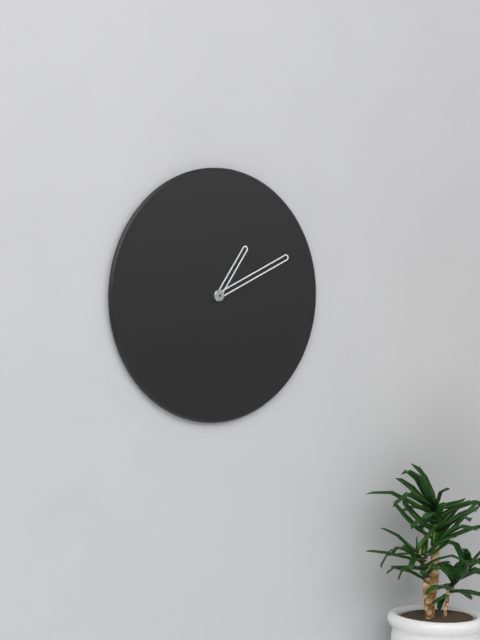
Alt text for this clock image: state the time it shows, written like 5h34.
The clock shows 1h11
